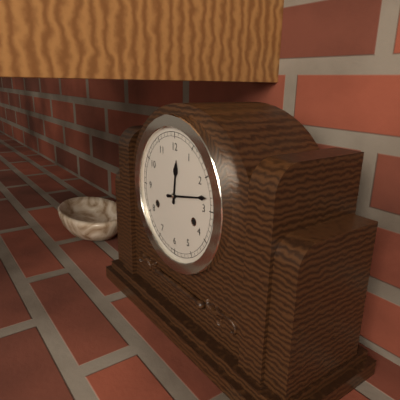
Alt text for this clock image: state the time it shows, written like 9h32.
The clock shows 12h13
